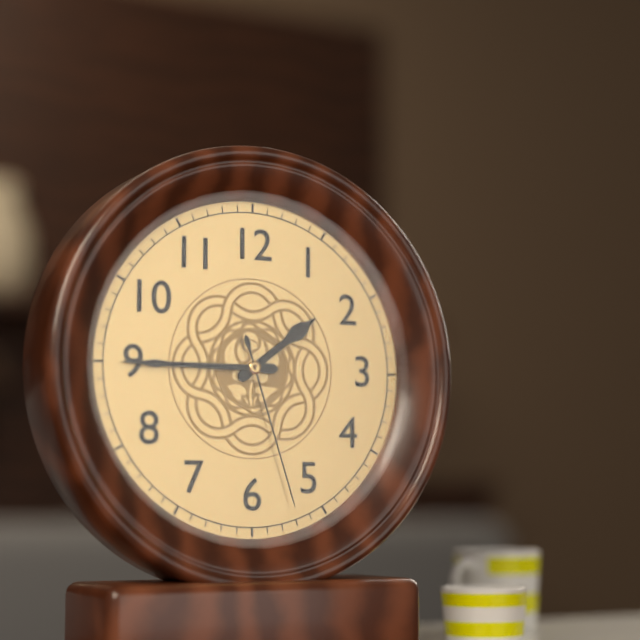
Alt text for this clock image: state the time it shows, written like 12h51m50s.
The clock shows 1h45m27s
